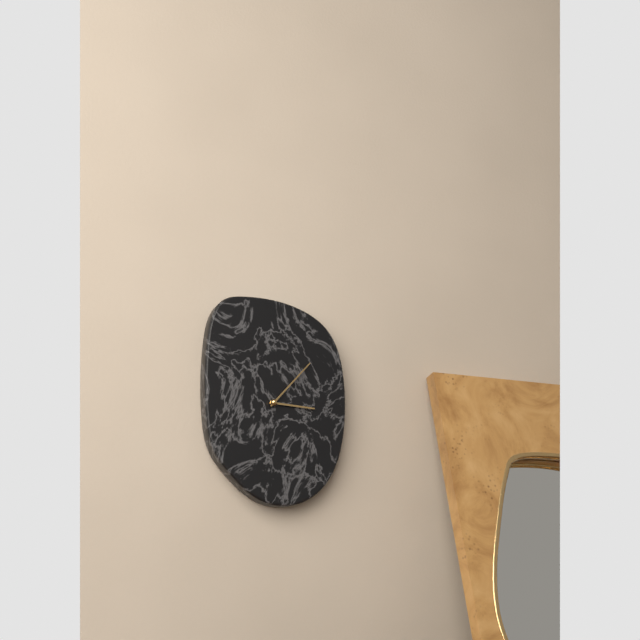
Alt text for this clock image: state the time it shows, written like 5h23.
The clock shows 3h07
